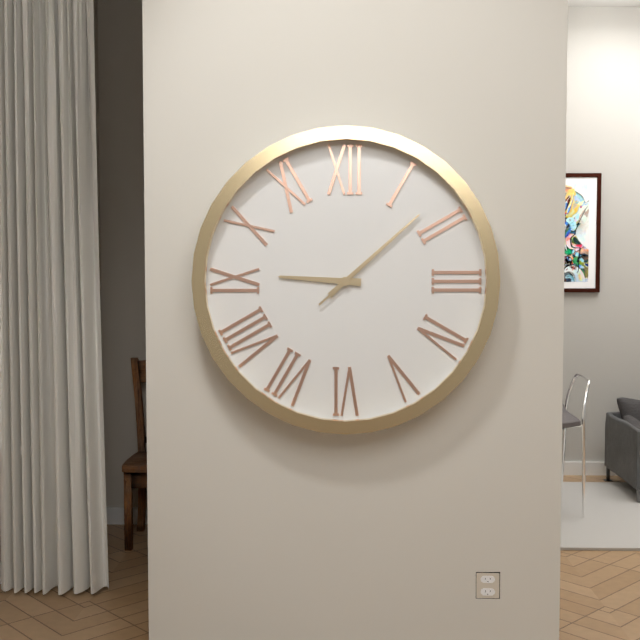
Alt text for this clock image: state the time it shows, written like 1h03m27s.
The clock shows 9h08m08s
